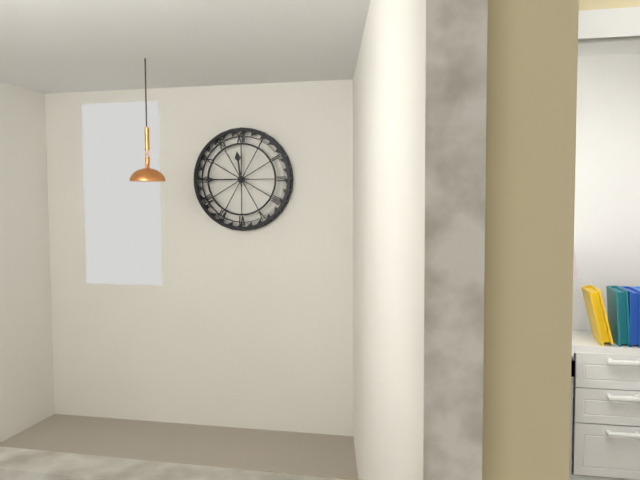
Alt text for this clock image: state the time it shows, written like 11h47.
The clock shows 11h45
